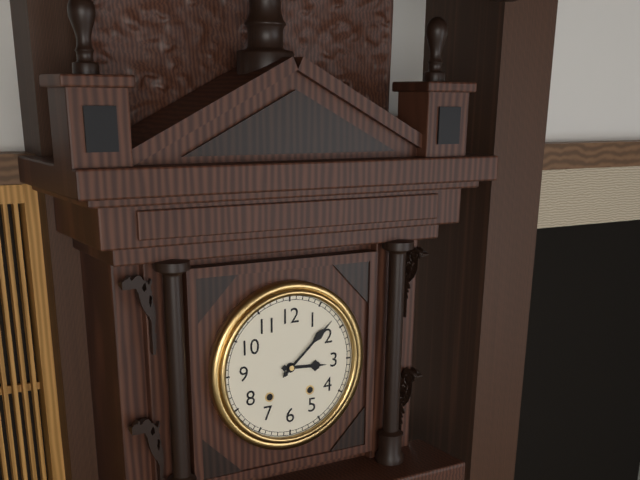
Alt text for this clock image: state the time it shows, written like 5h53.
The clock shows 3h08
